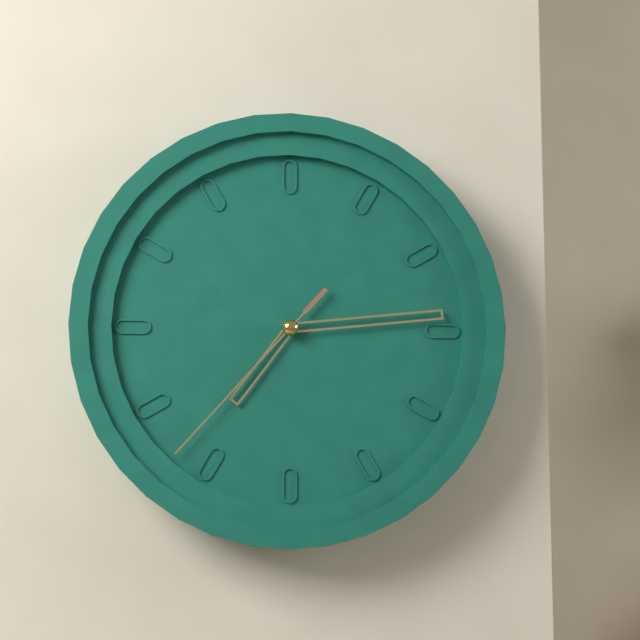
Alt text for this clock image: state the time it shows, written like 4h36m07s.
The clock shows 7h14m37s
